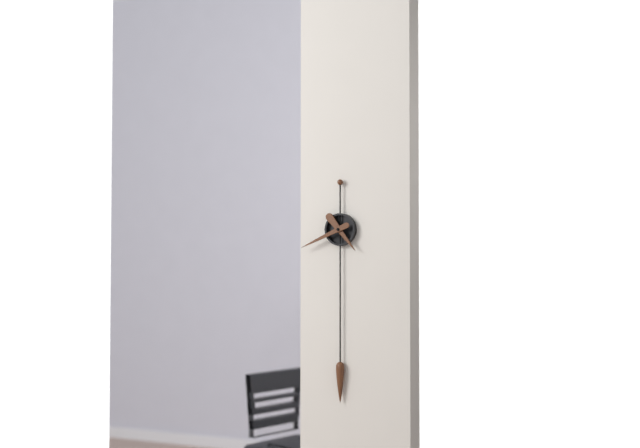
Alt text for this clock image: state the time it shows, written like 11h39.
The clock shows 4h41
